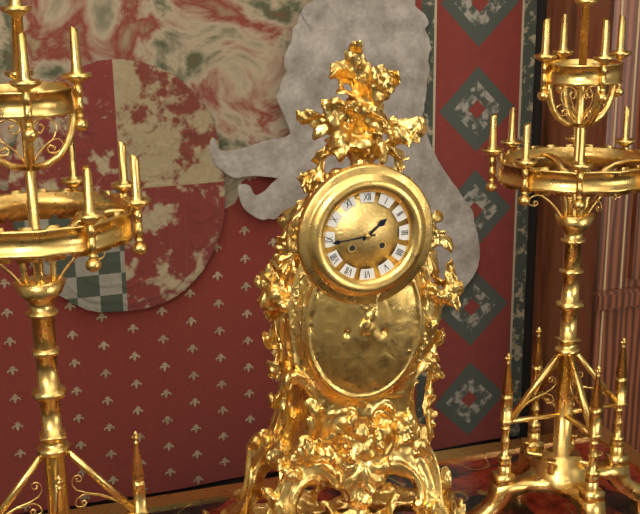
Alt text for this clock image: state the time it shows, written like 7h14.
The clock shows 1h44
